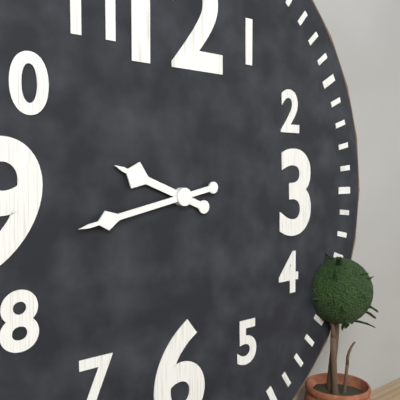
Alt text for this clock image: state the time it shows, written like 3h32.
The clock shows 9h43
